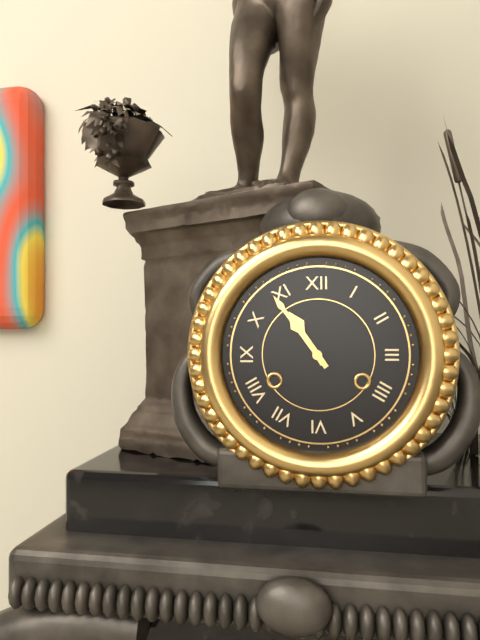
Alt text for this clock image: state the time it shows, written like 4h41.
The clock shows 10h54
